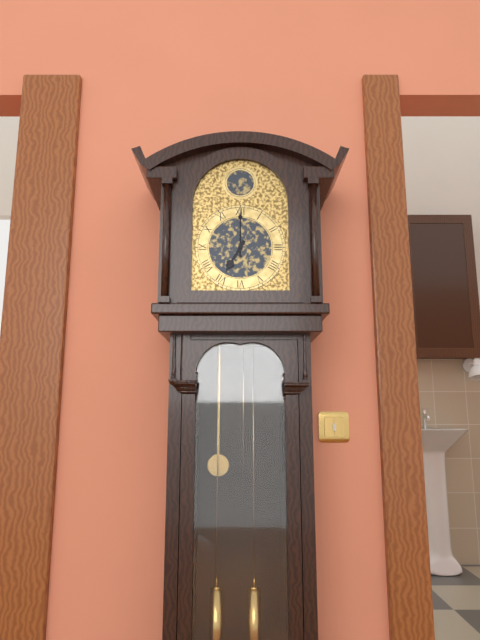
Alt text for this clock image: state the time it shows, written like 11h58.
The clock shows 7h00
